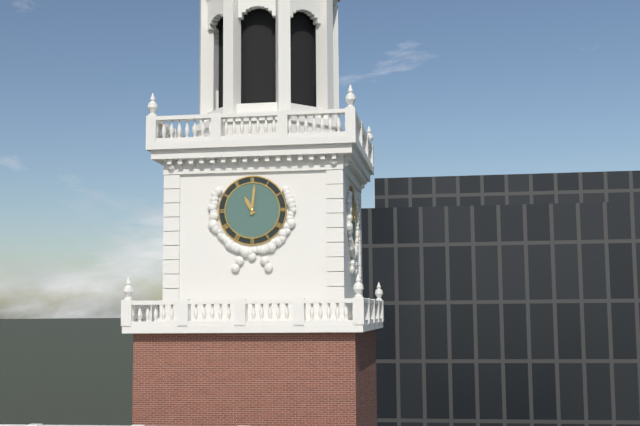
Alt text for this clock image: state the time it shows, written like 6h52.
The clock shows 11h01
